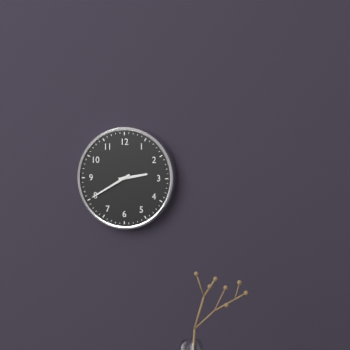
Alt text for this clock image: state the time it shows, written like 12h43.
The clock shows 2h40
